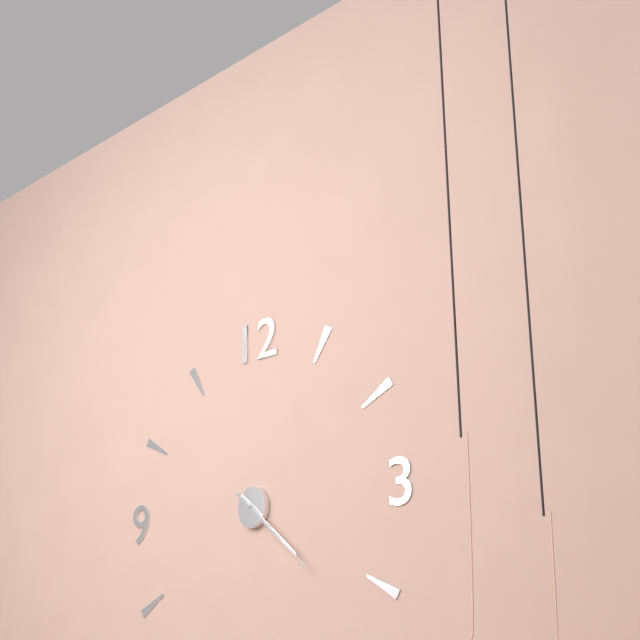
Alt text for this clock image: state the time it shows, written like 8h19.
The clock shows 4h22
